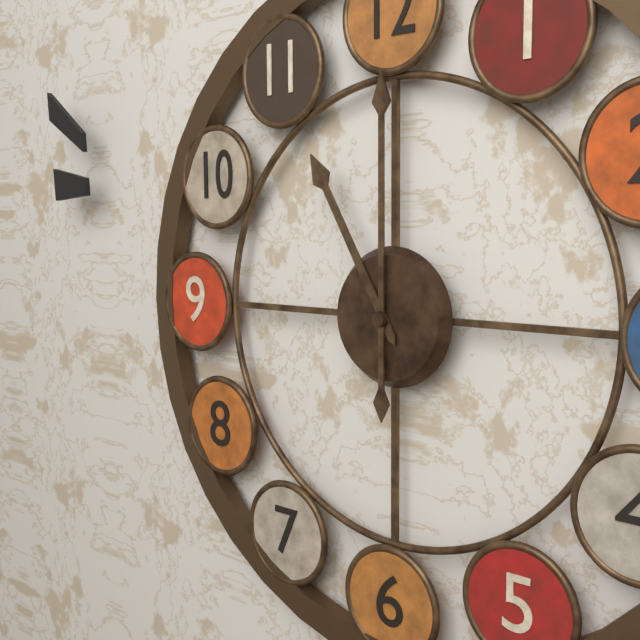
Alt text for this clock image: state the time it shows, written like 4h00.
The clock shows 11h00
